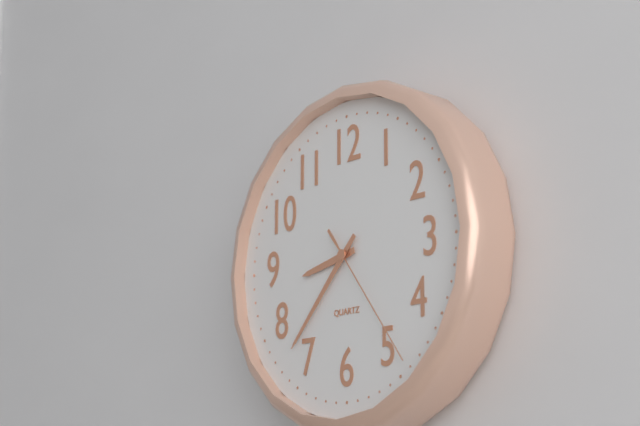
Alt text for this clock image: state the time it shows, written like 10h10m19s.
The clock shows 8h37m24s
